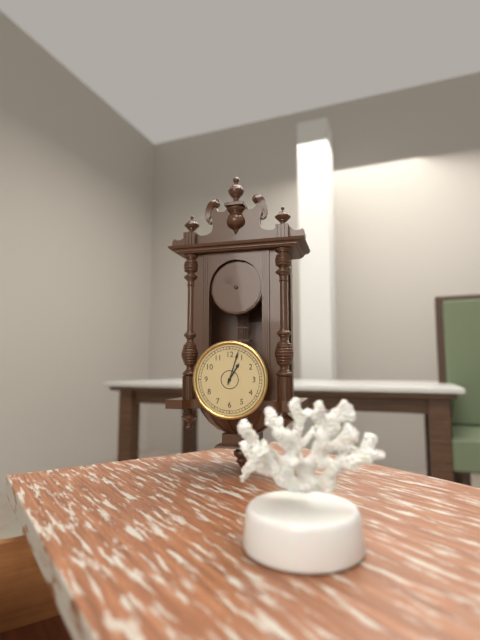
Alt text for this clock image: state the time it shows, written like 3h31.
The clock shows 1h03
